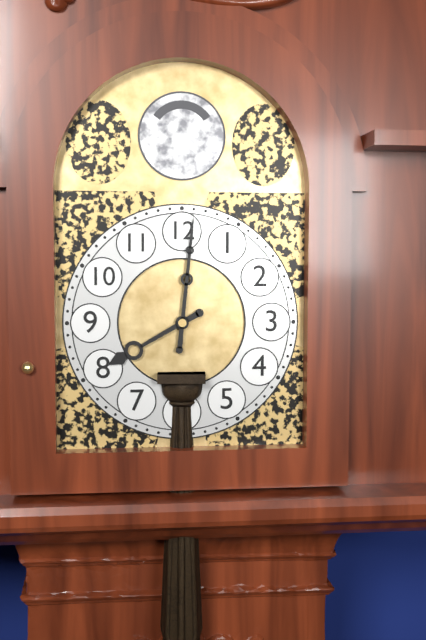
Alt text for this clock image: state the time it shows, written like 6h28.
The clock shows 8h01
